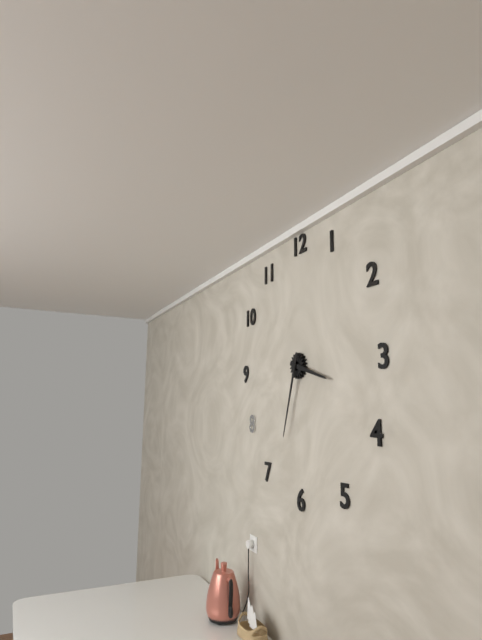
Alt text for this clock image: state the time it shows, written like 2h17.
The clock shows 3h33
